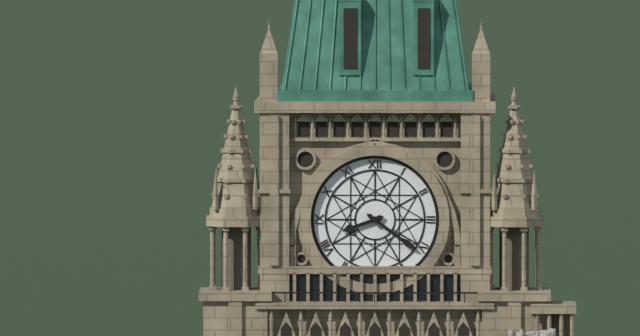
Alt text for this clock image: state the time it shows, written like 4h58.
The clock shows 8h21
